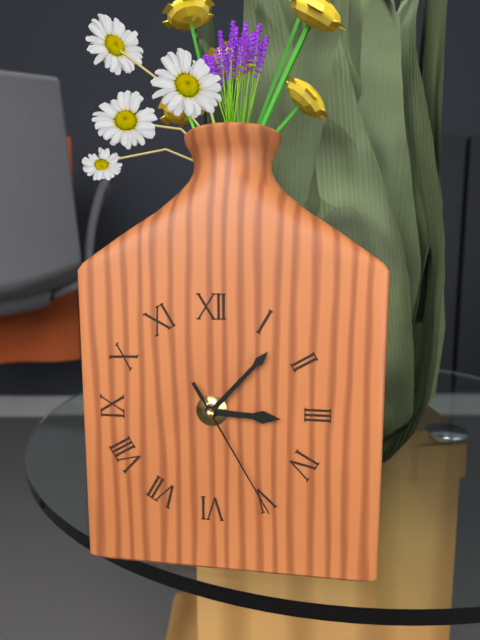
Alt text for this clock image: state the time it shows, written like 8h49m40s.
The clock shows 3h07m25s
